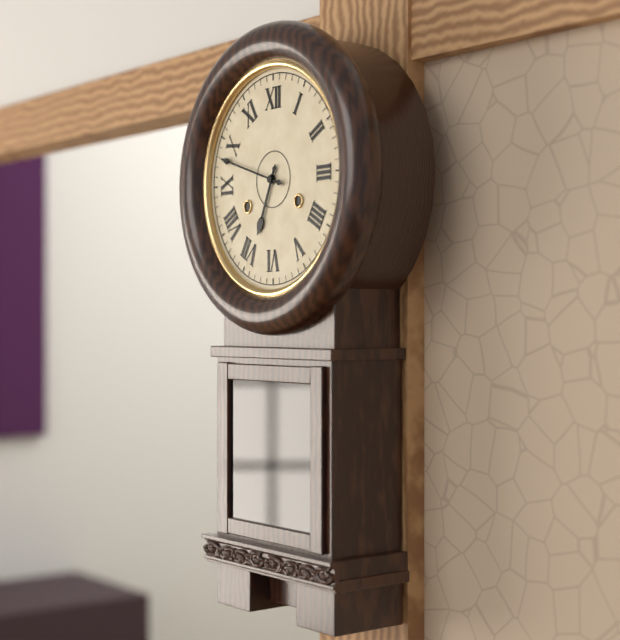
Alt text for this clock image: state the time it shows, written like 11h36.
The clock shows 6h48
